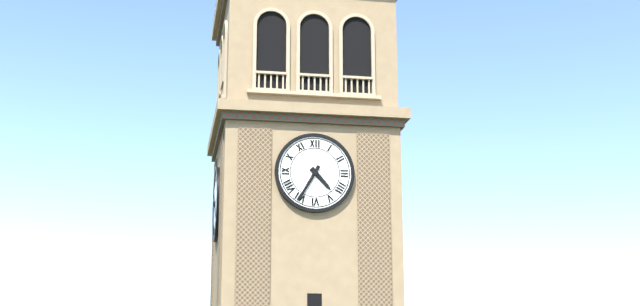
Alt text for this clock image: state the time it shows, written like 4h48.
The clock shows 4h35
